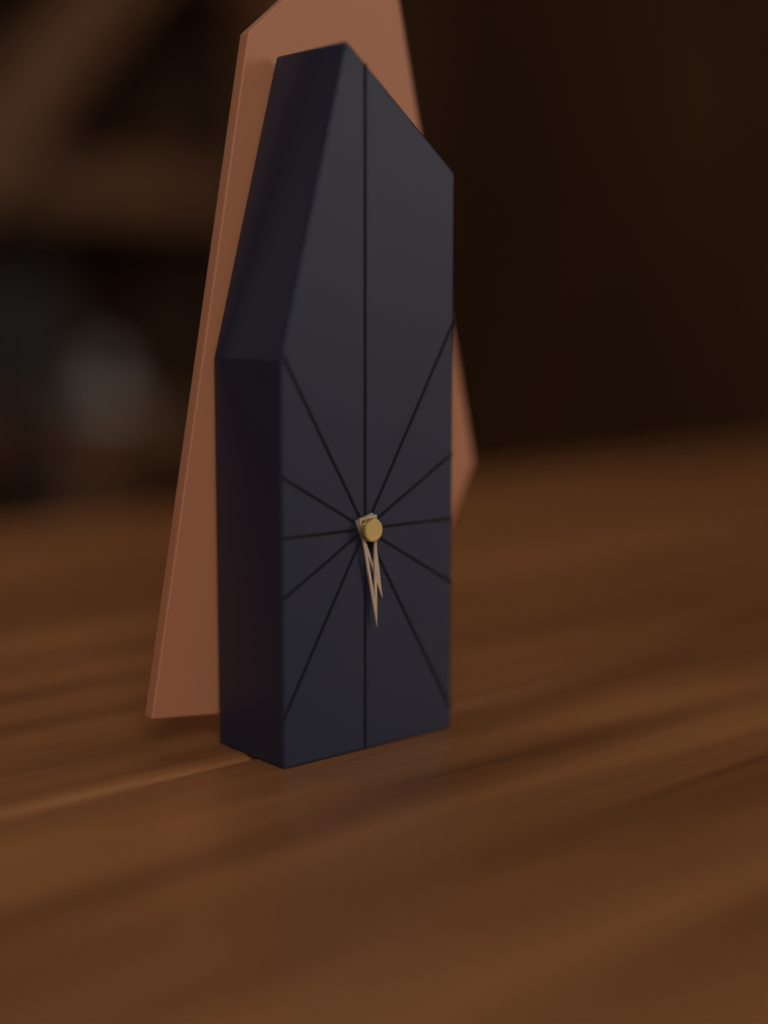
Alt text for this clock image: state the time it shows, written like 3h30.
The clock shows 5h29
